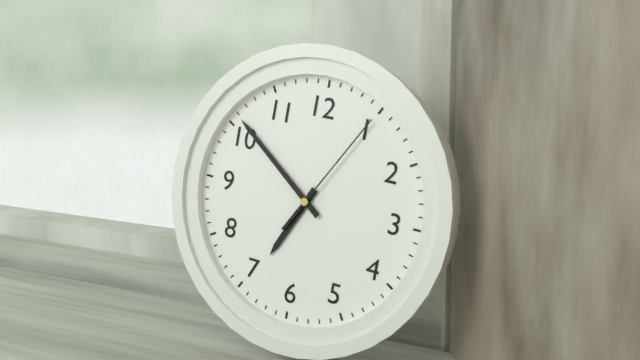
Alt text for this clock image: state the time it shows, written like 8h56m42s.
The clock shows 6h51m05s
